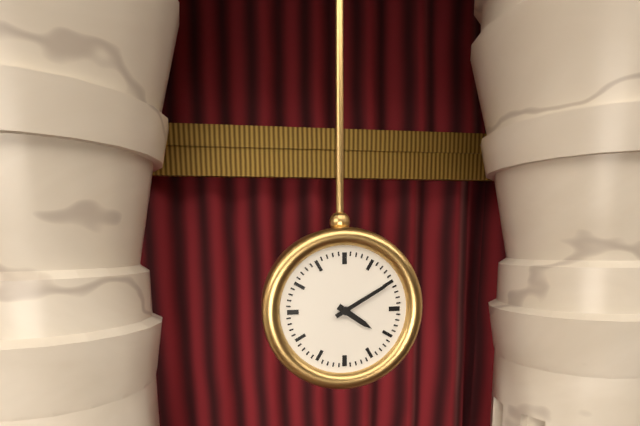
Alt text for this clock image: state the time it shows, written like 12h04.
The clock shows 4h10
